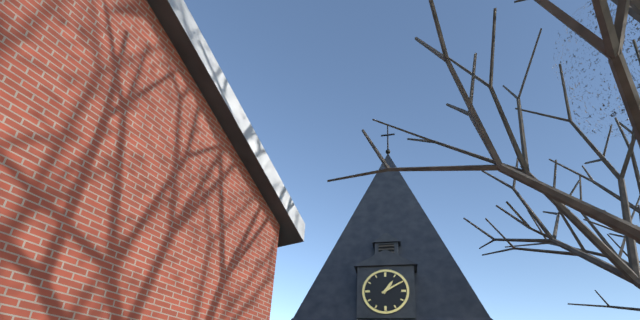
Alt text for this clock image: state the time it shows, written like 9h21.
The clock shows 1h10
